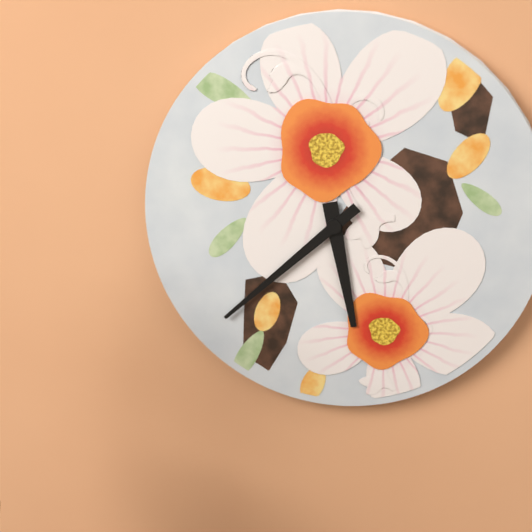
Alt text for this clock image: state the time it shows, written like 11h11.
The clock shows 5h38
